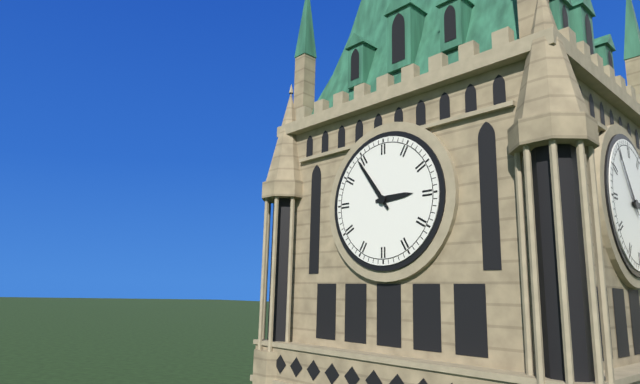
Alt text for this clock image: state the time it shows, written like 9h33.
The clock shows 2h54
